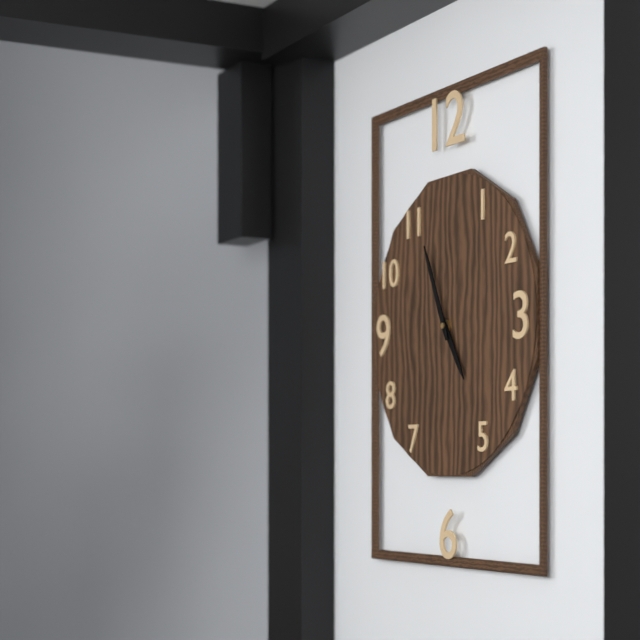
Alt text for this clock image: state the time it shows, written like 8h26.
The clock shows 4h56
